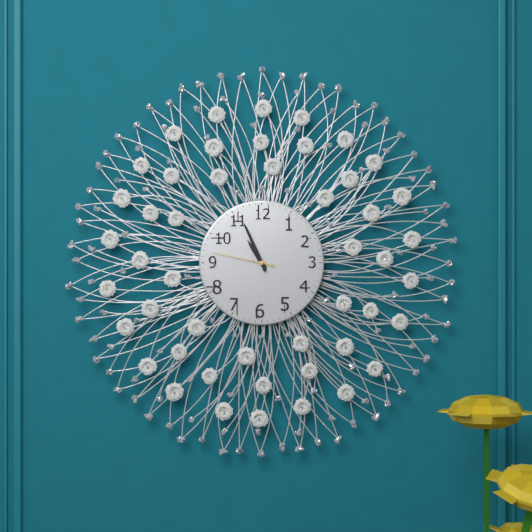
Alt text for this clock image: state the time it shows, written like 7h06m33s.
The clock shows 10h56m47s
